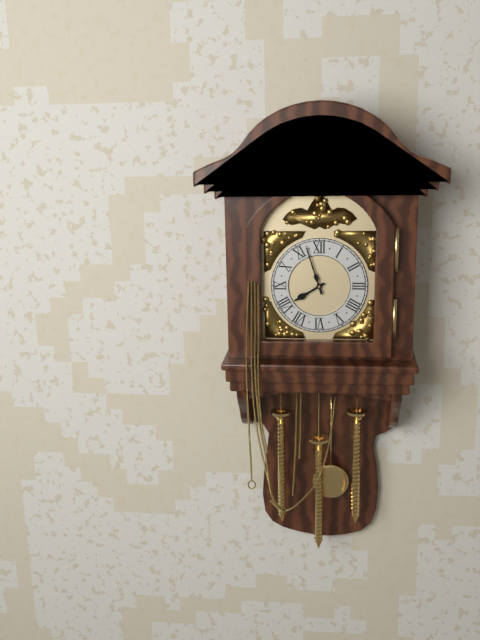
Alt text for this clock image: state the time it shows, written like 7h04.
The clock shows 7h57
